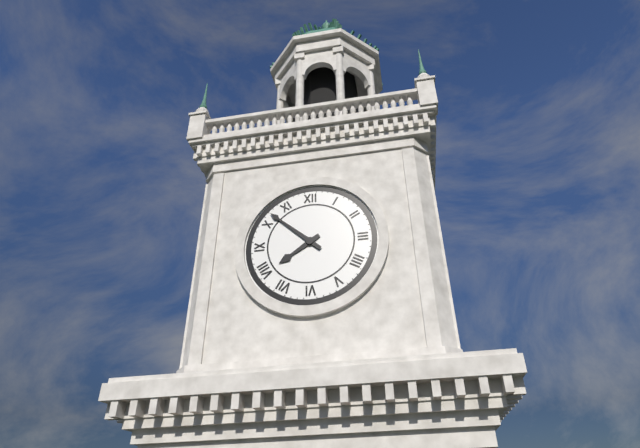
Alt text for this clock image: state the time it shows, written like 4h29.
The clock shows 7h52
